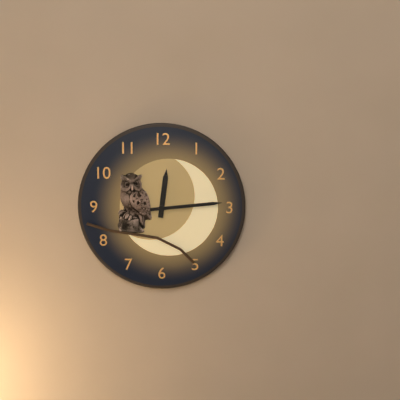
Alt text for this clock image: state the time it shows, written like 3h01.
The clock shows 12h14
